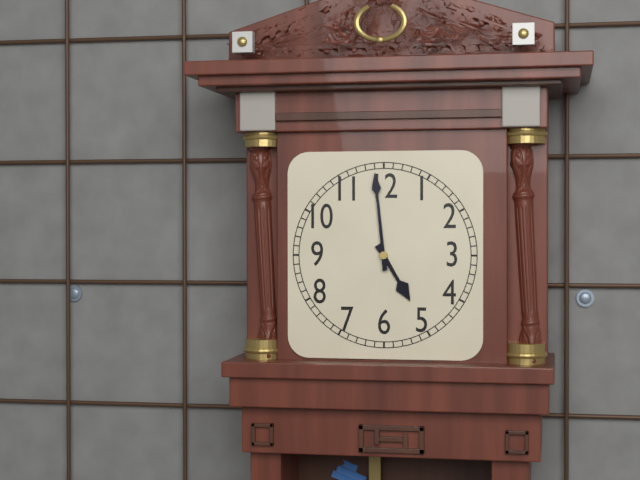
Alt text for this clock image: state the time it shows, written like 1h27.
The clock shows 4h59
